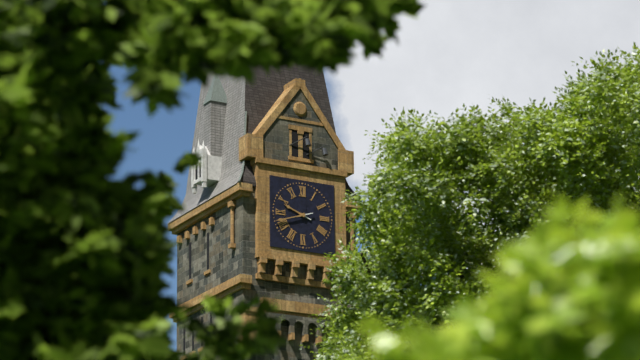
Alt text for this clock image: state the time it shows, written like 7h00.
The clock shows 9h42
